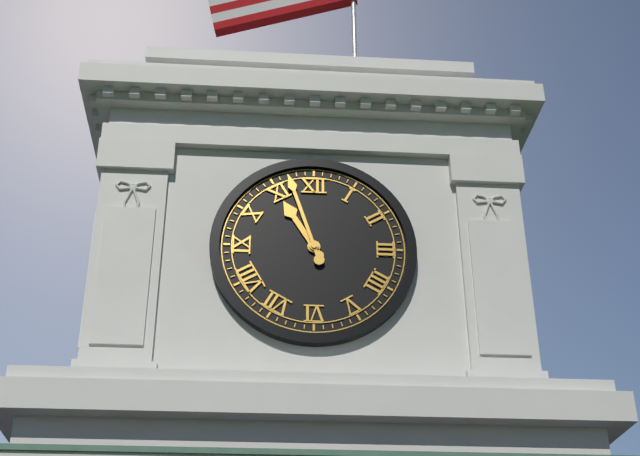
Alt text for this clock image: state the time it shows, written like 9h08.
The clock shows 10h57
